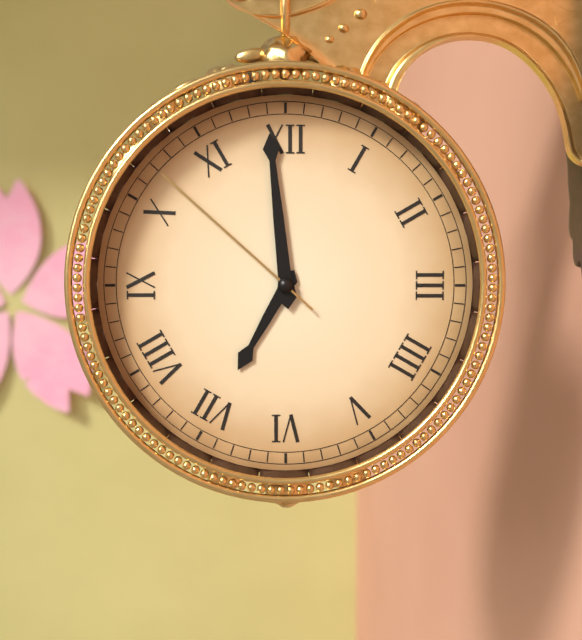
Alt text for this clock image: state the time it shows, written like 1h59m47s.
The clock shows 6h59m52s
